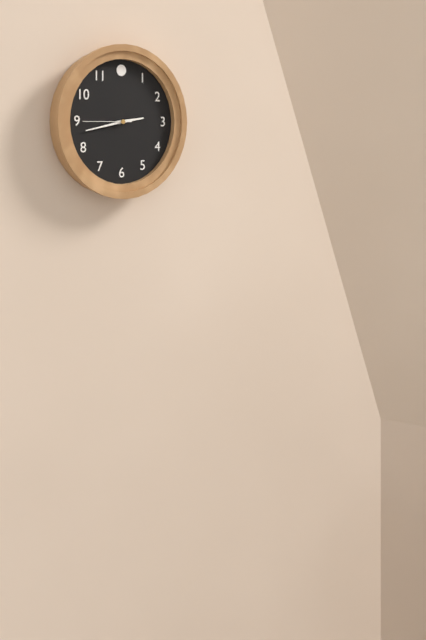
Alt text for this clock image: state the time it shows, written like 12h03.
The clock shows 2h43
